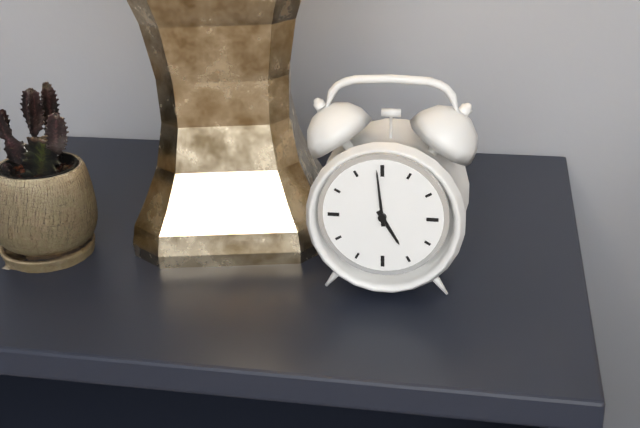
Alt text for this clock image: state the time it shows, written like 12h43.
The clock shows 4h59
